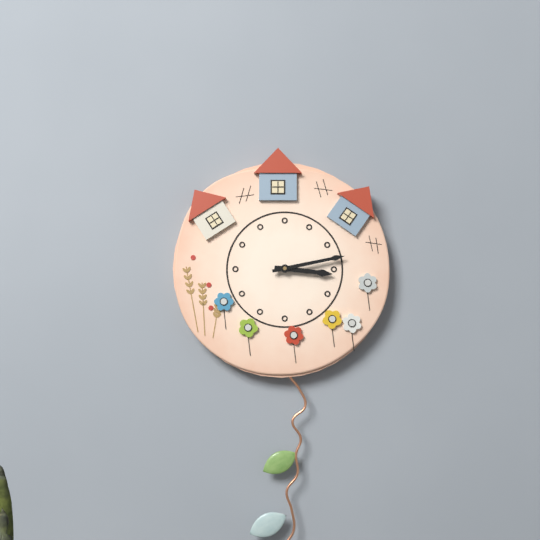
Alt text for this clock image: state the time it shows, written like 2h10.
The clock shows 3h13
